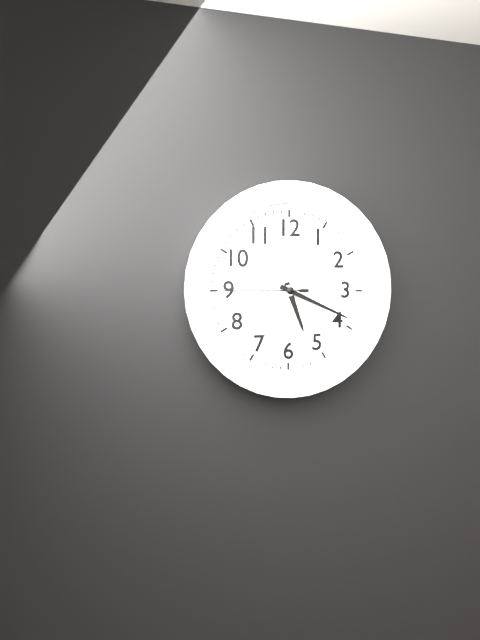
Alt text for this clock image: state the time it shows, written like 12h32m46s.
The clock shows 5h19m45s
